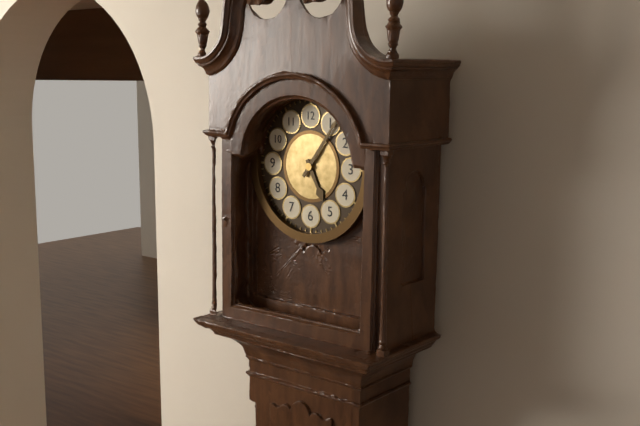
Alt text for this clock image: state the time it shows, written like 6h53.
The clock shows 5h06
